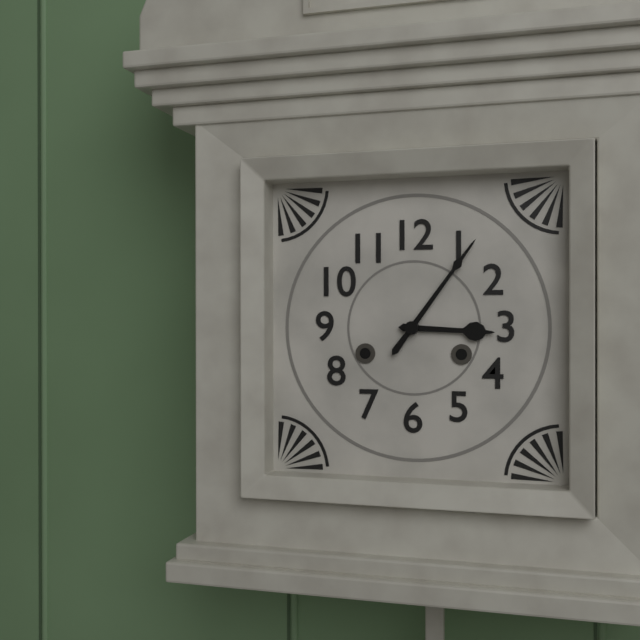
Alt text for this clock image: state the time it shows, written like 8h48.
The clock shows 3h06
